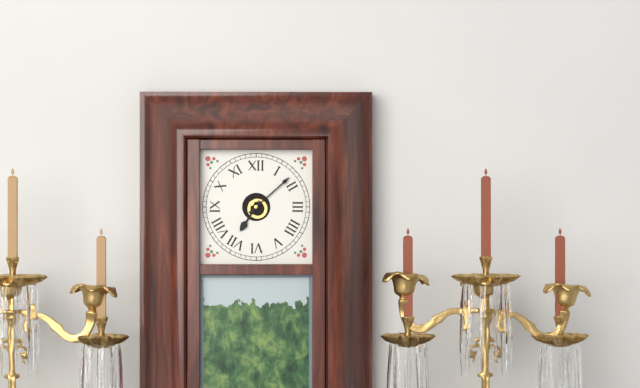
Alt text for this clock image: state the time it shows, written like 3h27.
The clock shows 7h08
